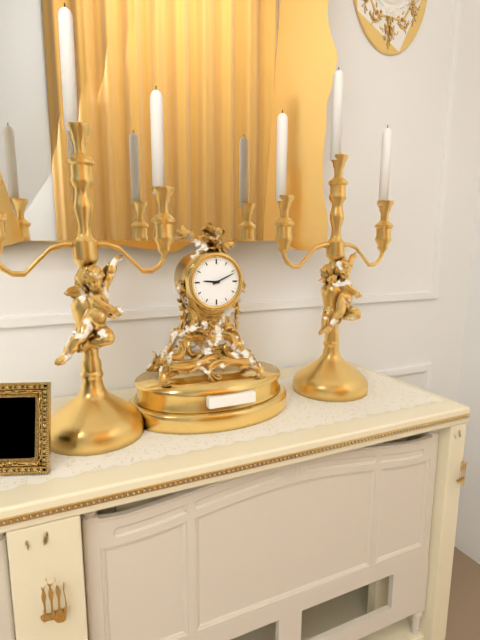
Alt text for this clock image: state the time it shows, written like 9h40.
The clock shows 9h11
